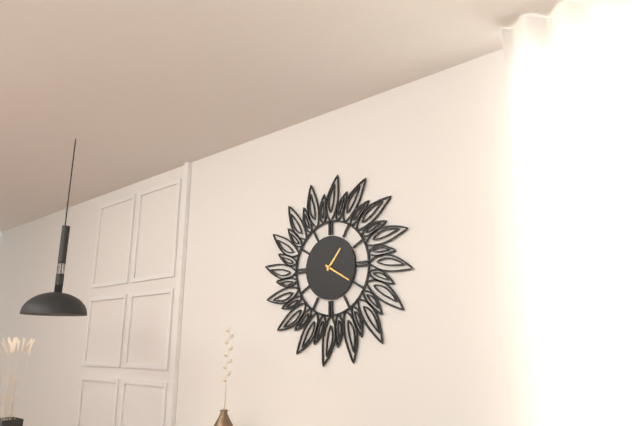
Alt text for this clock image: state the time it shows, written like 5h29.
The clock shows 1h20
